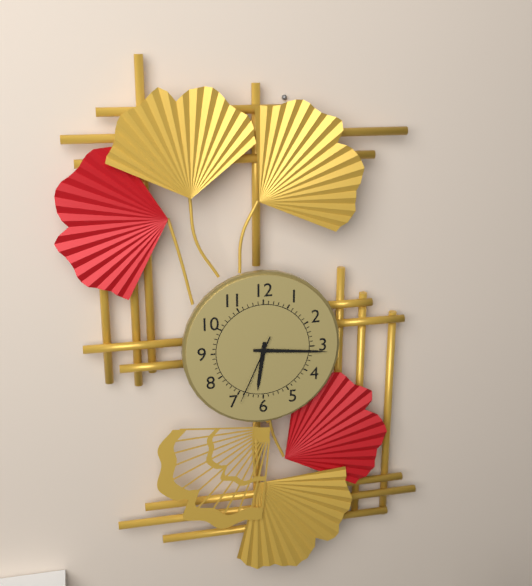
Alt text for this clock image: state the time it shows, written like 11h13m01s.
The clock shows 6h16m34s
